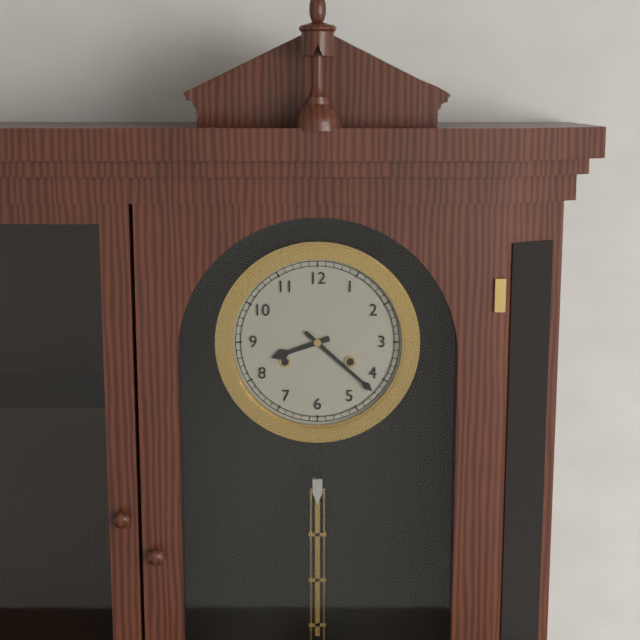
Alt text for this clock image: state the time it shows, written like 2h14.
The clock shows 8h22
